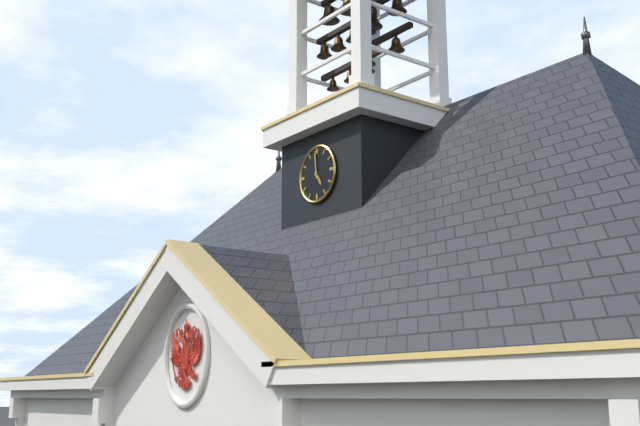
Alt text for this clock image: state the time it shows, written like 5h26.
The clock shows 4h59
